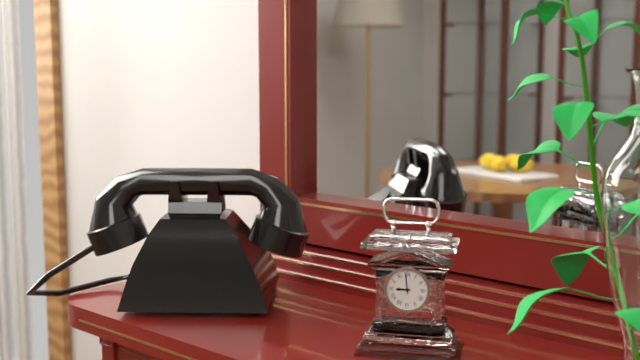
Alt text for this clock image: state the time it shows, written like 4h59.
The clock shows 8h59
